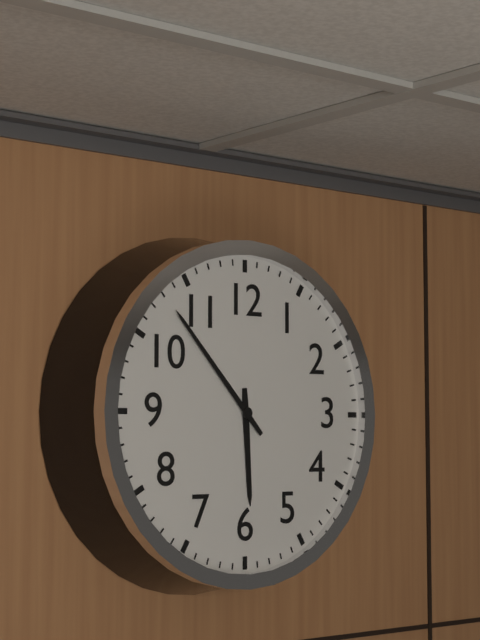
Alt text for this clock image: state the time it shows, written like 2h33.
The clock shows 5h53
